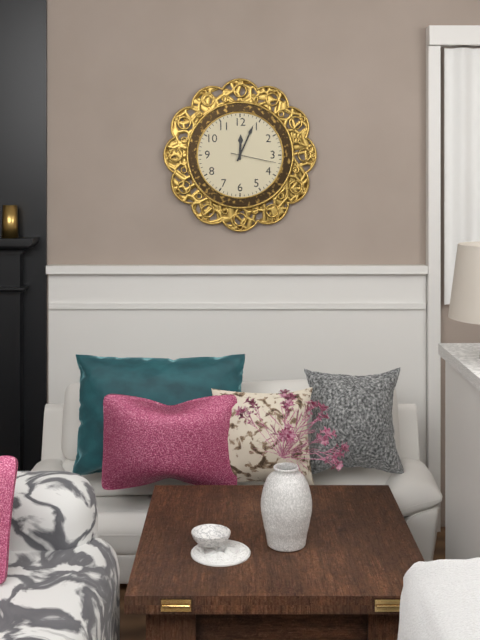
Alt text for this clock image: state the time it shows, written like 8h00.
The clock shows 12h04
